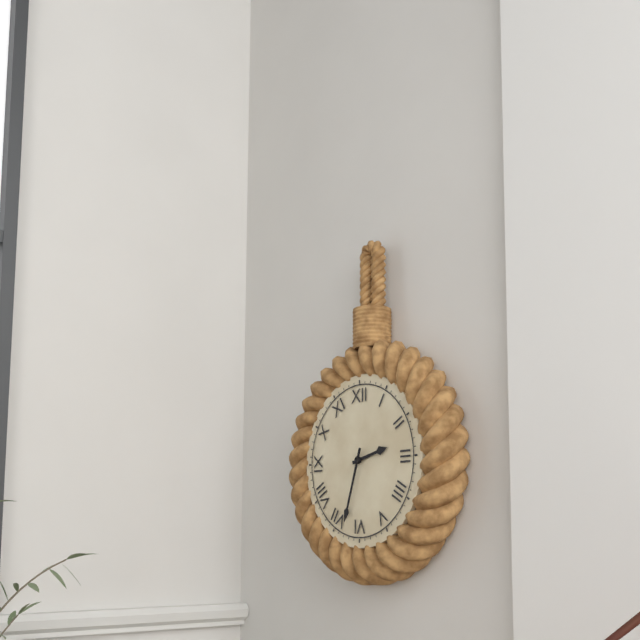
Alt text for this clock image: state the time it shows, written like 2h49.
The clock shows 2h33
